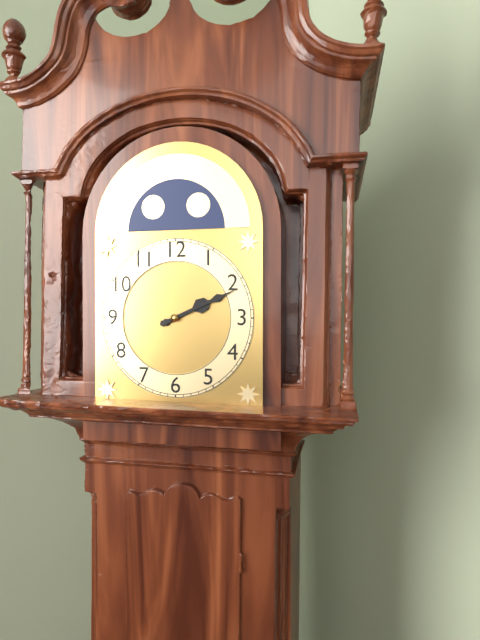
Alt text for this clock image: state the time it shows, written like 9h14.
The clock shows 2h11
